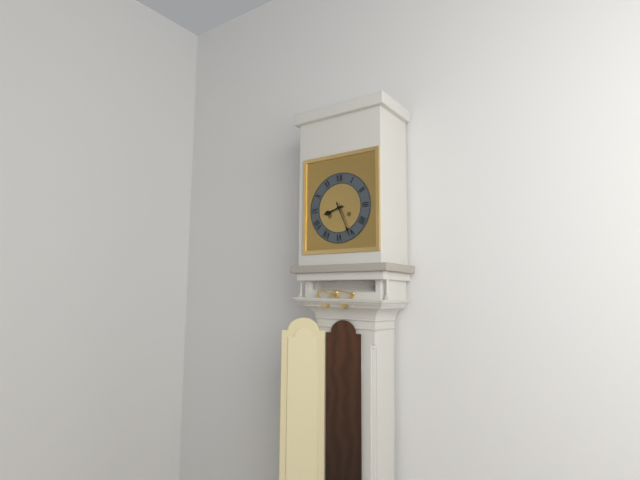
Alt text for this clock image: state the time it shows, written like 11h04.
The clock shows 8h26
